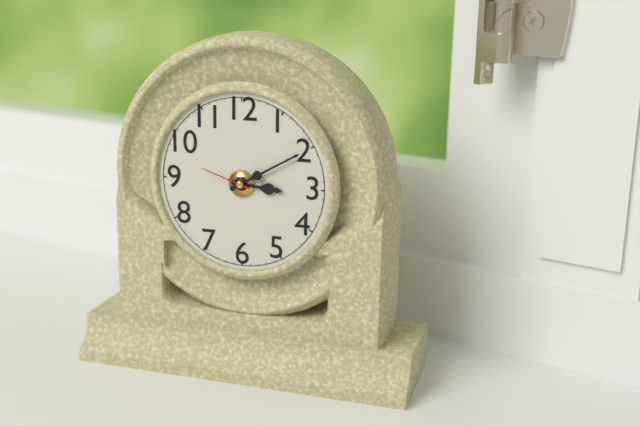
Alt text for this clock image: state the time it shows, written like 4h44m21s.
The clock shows 3h10m48s
